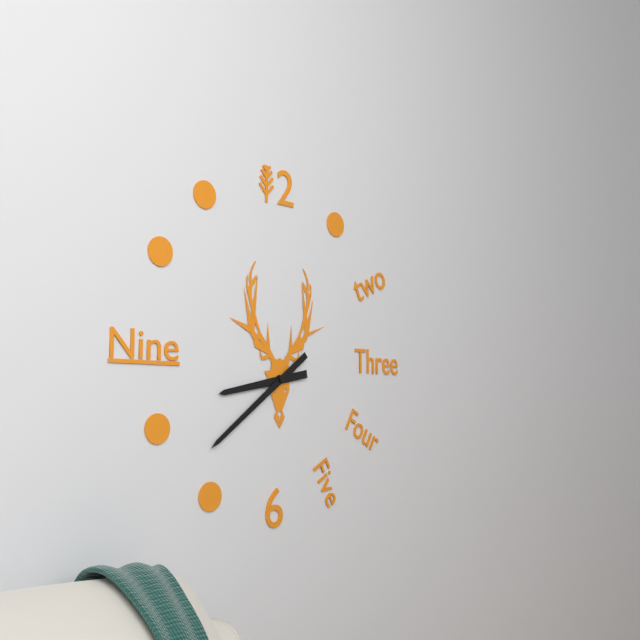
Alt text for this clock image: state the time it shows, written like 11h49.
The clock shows 8h39
